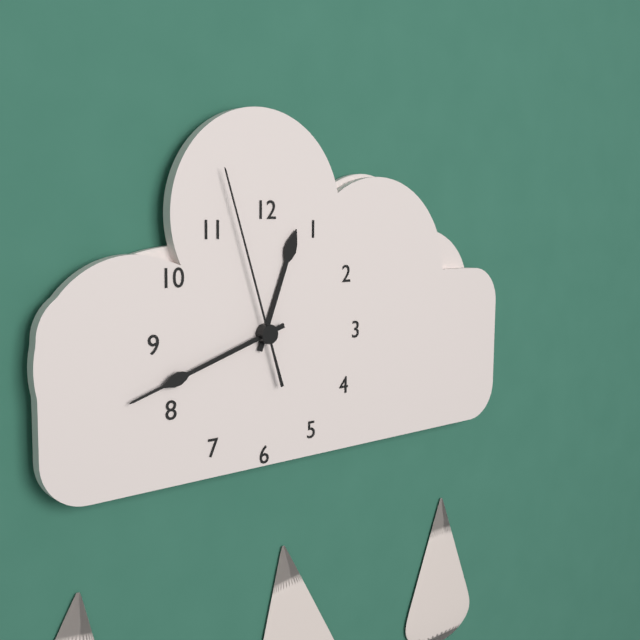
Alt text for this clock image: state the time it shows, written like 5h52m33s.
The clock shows 12h42m57s
